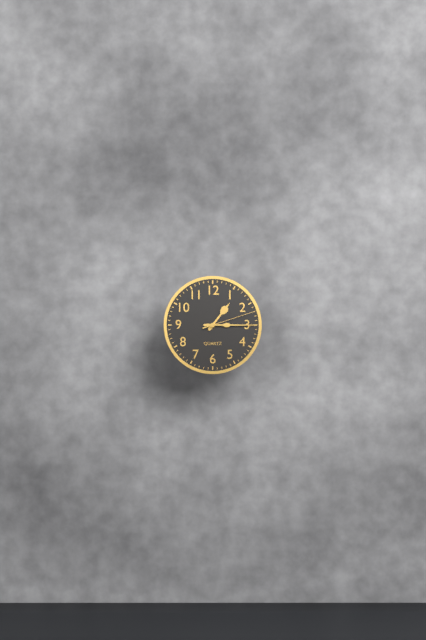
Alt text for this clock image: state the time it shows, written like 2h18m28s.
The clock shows 1h15m12s
